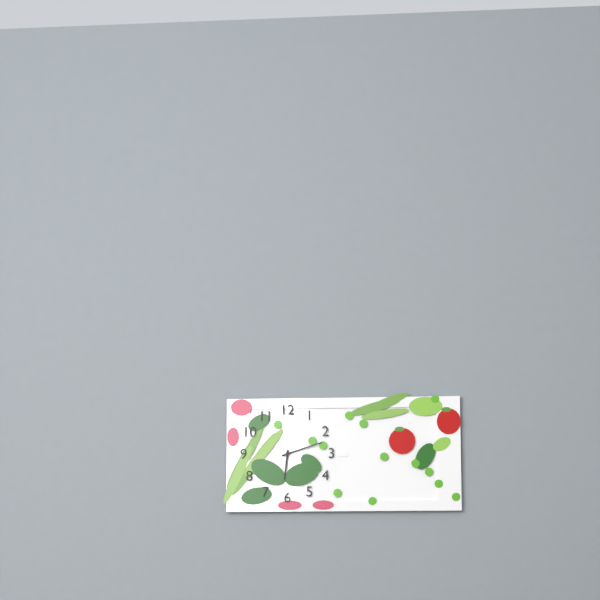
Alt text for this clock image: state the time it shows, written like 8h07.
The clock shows 6h12
